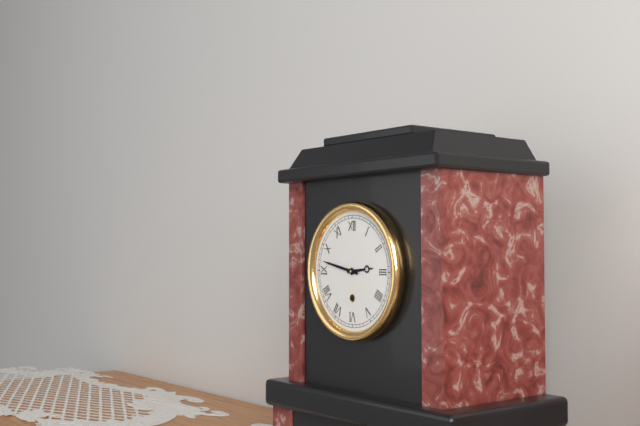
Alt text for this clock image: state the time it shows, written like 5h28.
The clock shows 2h47
